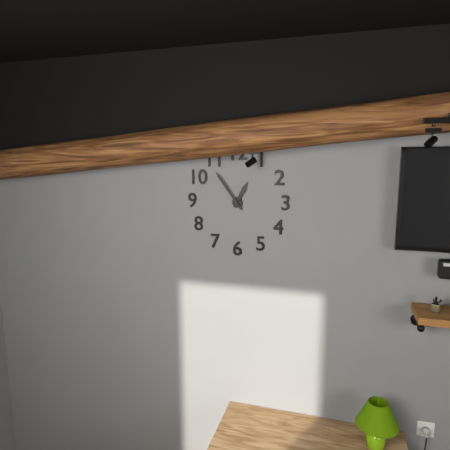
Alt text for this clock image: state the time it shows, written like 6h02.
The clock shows 12h54
